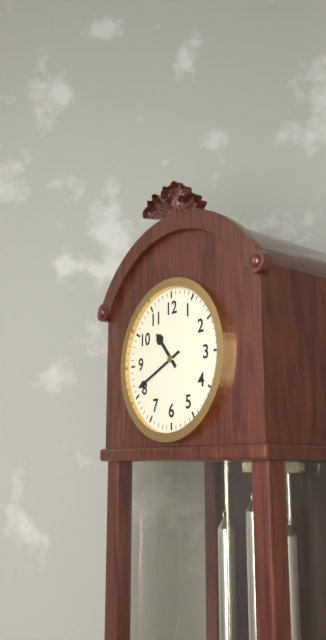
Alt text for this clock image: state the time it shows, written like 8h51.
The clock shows 10h41
